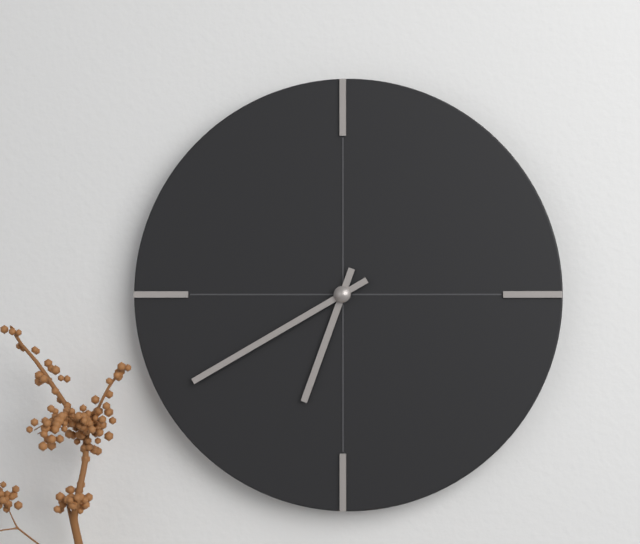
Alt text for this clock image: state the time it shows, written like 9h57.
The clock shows 6h40
